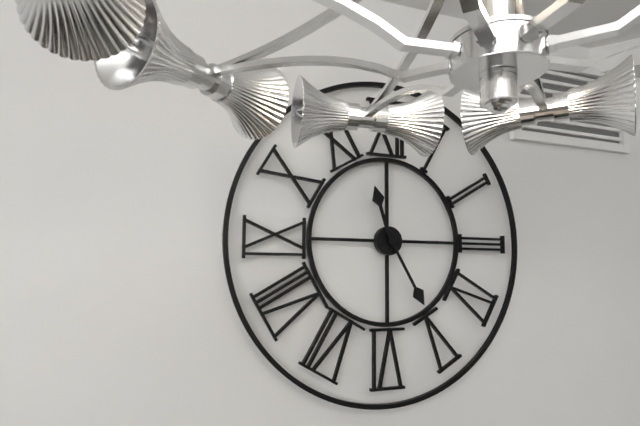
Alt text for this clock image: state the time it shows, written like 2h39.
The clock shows 11h25
